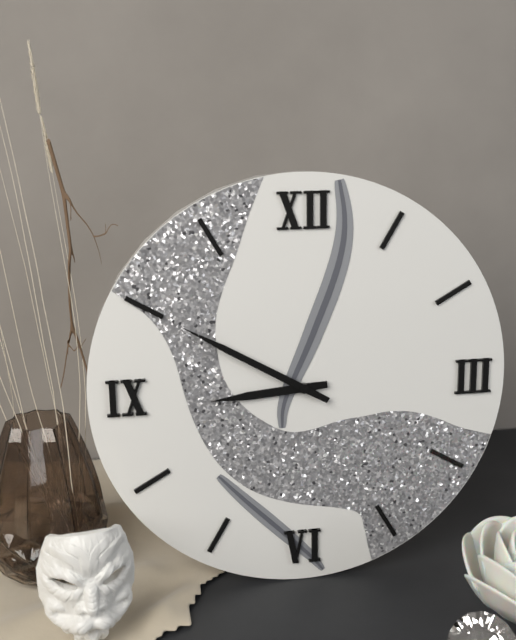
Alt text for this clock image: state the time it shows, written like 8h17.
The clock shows 8h50
